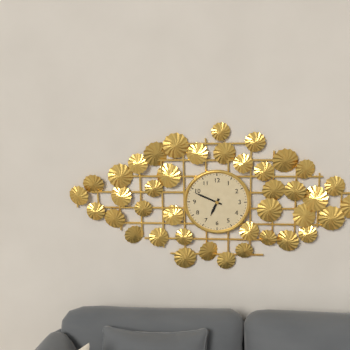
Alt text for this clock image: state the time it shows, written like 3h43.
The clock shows 6h49
